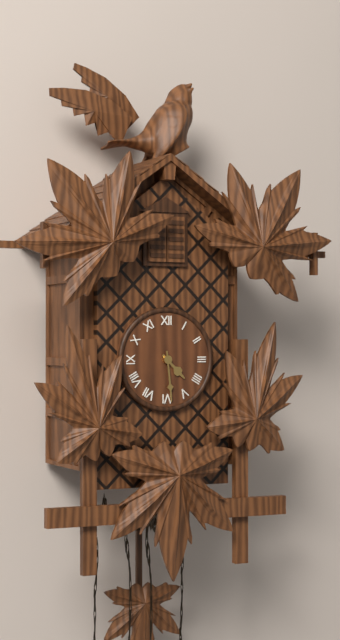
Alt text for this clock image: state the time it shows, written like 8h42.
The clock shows 4h29
